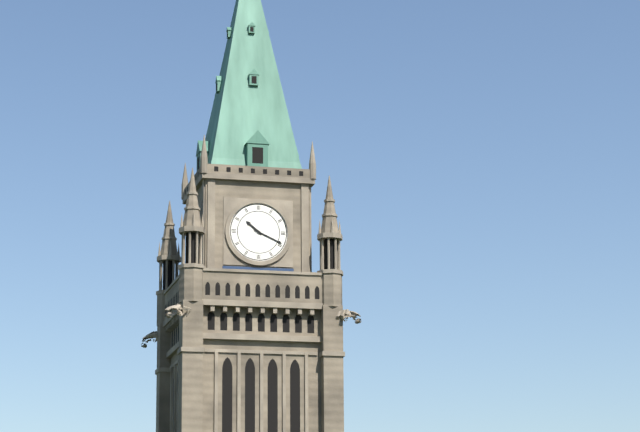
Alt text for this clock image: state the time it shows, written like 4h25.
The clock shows 10h19
